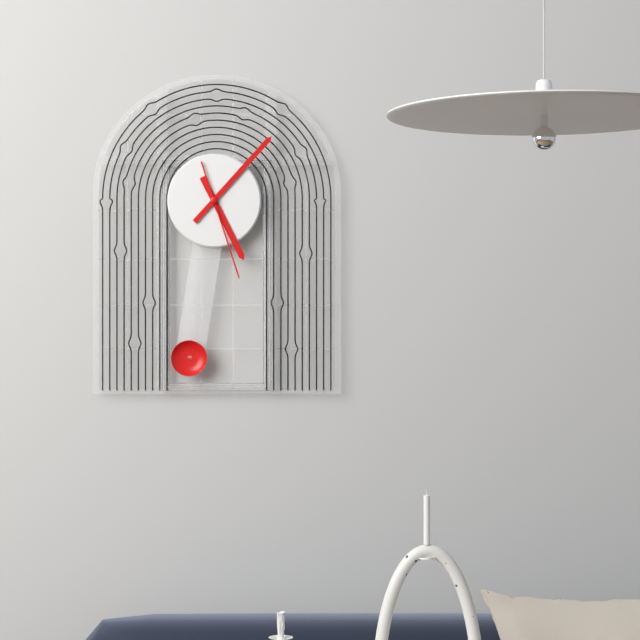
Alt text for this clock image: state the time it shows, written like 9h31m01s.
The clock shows 5h07m27s
